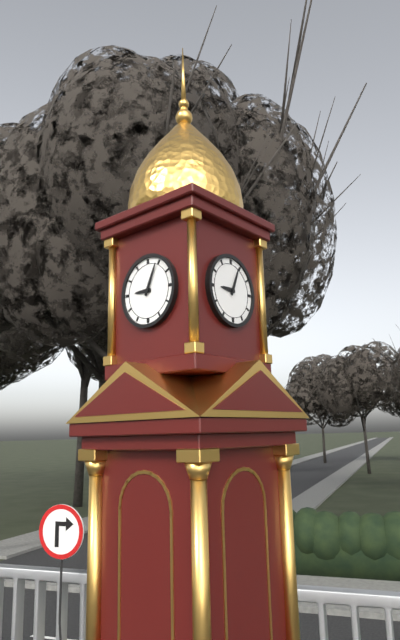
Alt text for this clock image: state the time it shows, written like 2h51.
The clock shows 9h04
